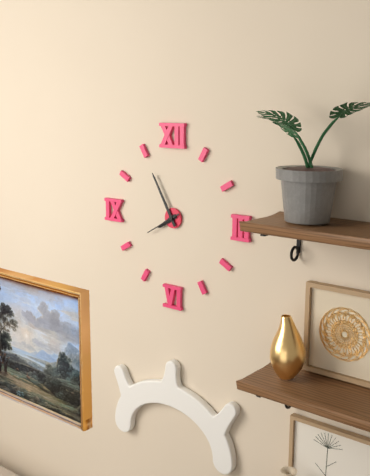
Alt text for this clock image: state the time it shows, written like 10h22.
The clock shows 7h55
